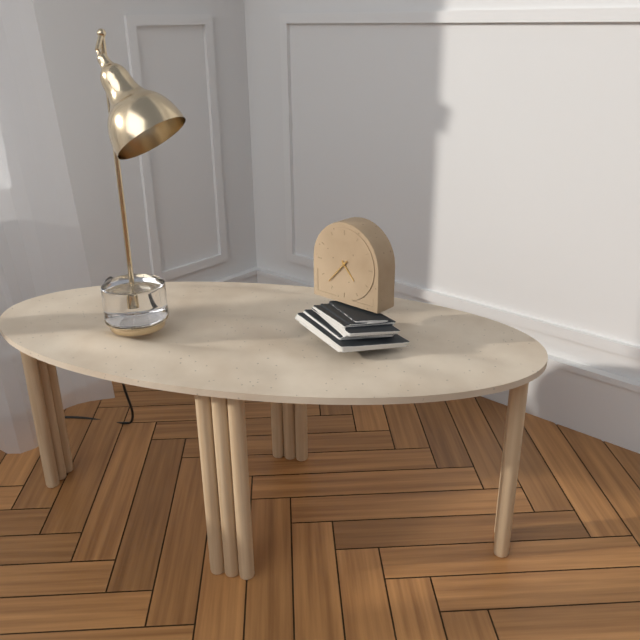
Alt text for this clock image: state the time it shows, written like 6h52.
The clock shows 4h37
